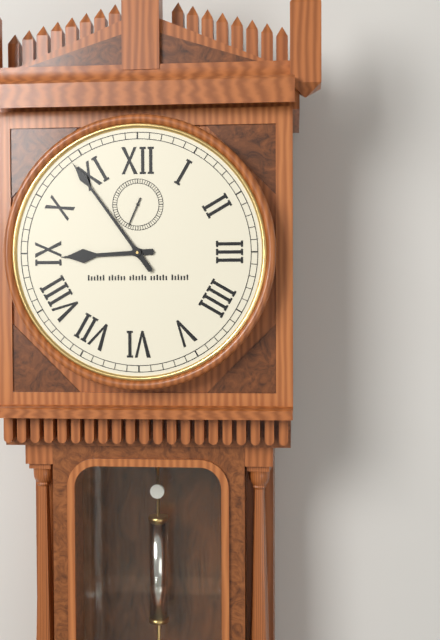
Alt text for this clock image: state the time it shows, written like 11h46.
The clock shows 8h54
